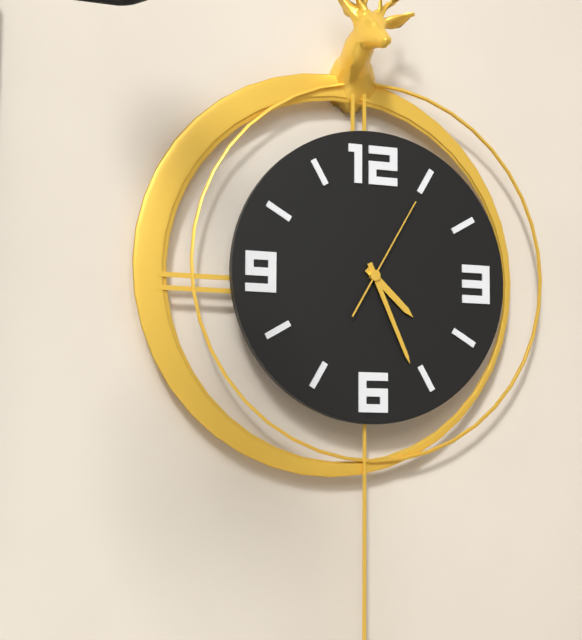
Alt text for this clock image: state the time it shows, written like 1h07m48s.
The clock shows 4h26m05s
